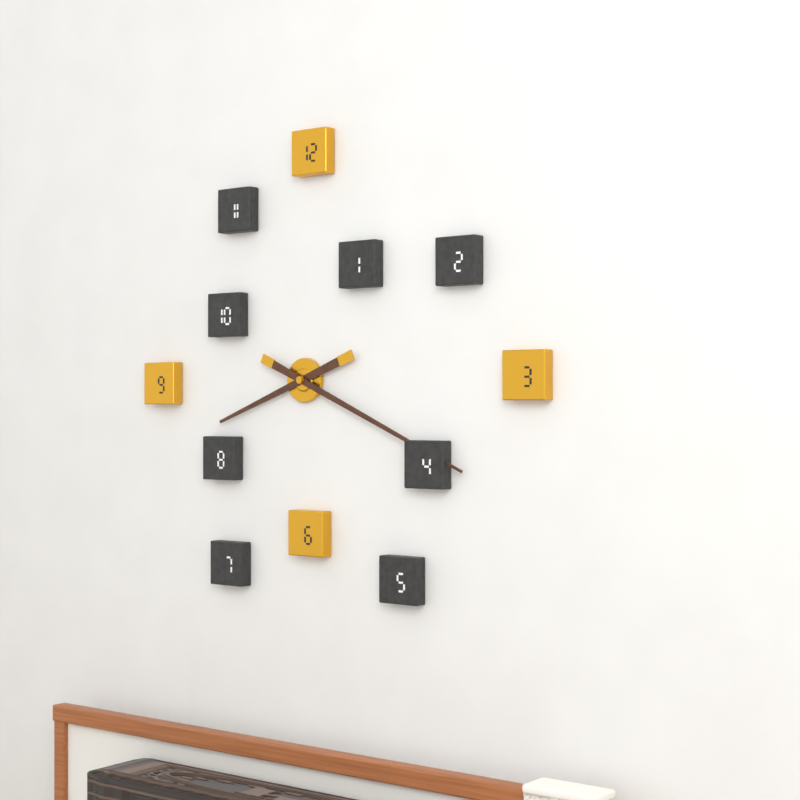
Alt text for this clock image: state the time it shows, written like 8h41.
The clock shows 8h19
